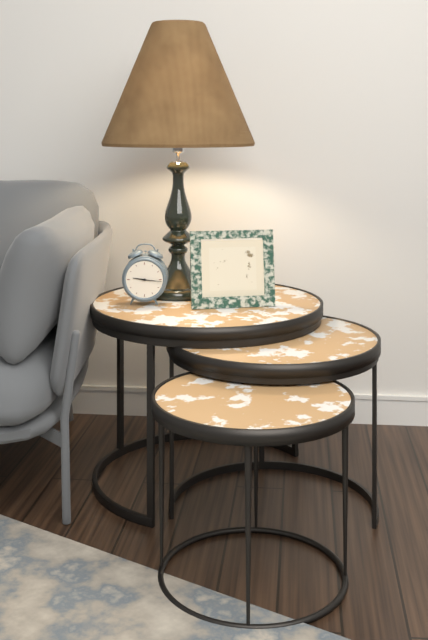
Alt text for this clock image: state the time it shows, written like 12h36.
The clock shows 9h16
